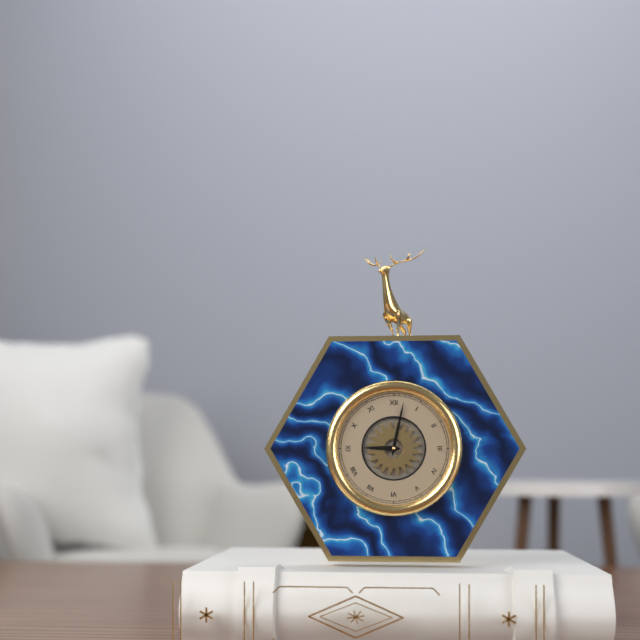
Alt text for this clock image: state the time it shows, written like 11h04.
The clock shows 9h02
